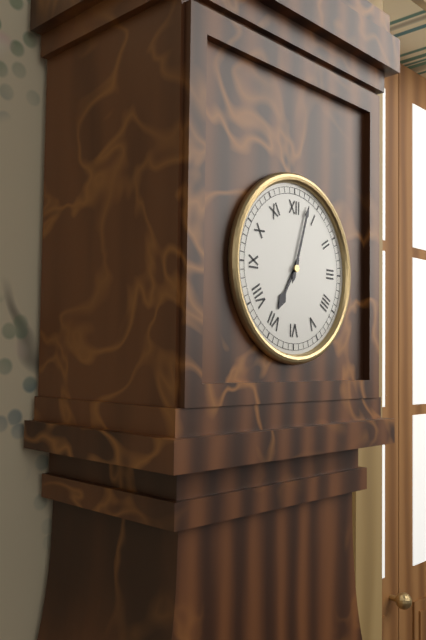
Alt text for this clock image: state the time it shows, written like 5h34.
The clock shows 7h03
